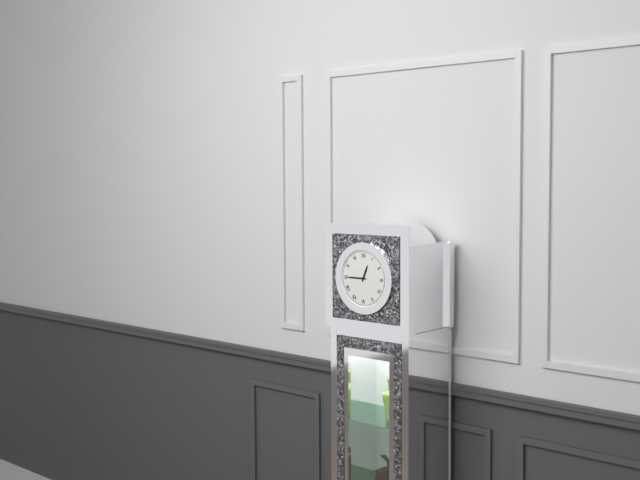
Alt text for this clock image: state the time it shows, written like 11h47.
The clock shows 12h45
